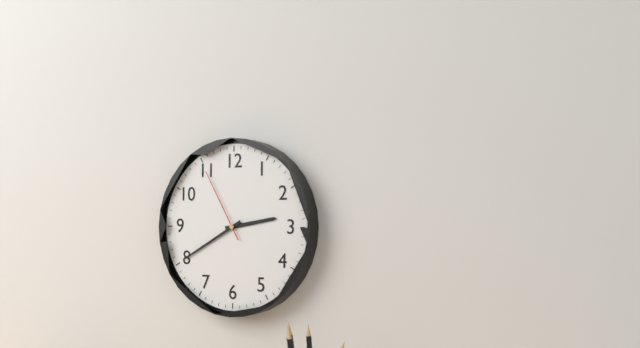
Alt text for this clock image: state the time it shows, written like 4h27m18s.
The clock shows 2h40m55s
